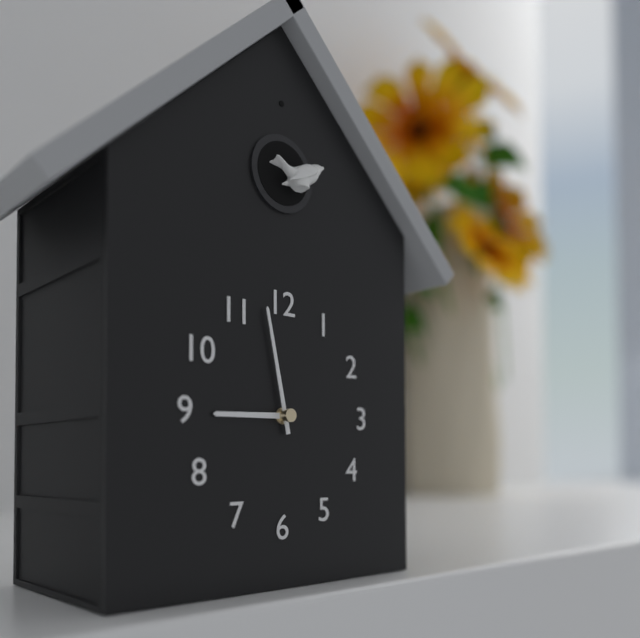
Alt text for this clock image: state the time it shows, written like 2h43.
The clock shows 8h58
